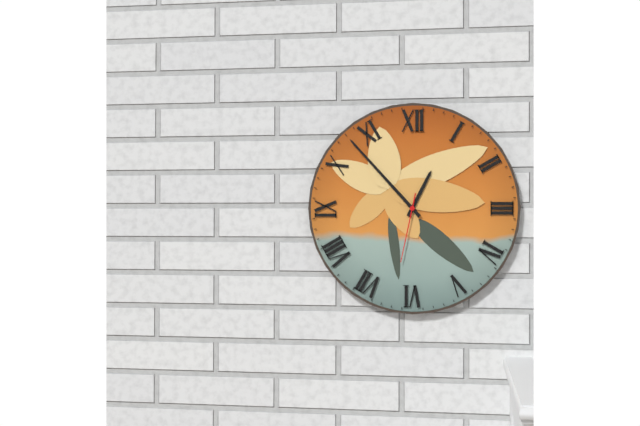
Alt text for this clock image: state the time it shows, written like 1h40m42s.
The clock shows 12h53m32s
